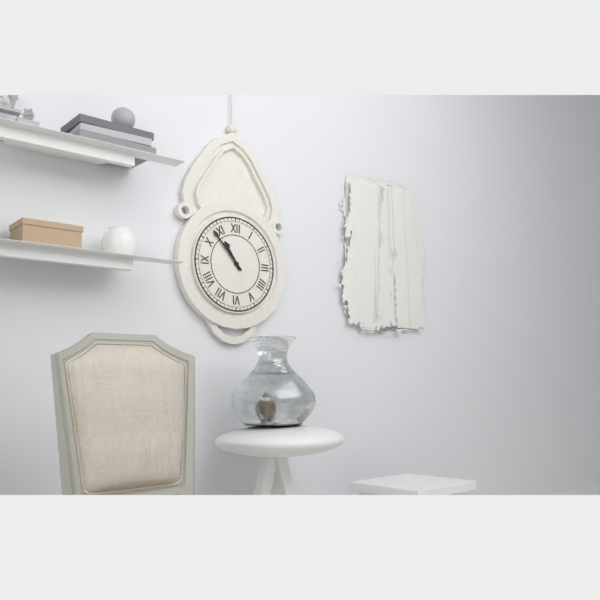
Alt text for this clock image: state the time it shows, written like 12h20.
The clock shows 10h53
